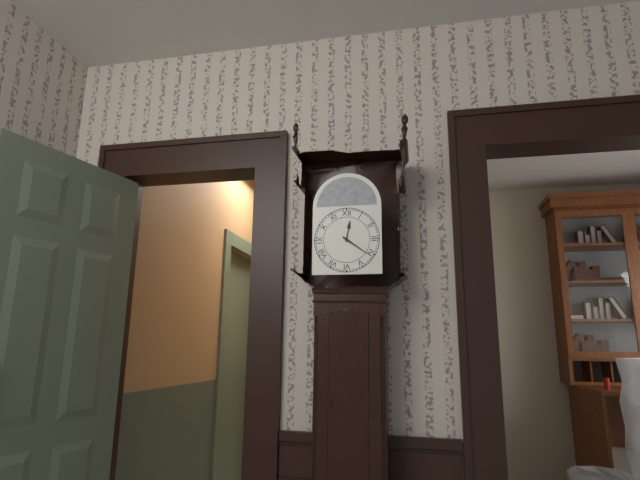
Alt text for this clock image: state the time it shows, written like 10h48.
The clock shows 12h21
